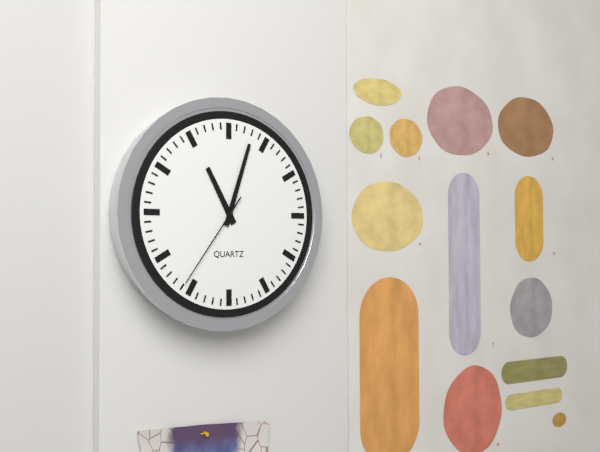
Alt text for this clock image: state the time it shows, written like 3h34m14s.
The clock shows 11h03m36s
